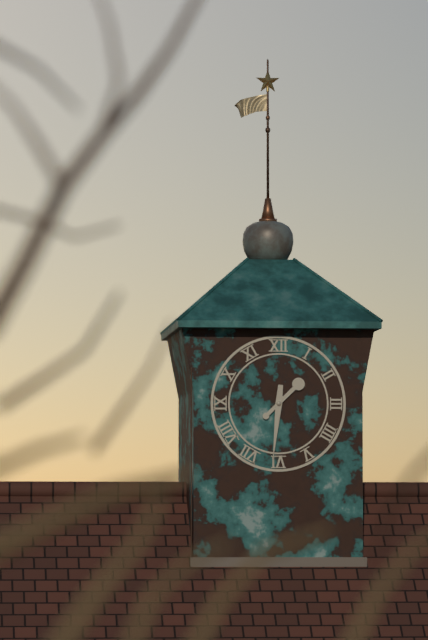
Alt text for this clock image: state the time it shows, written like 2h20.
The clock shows 1h31
